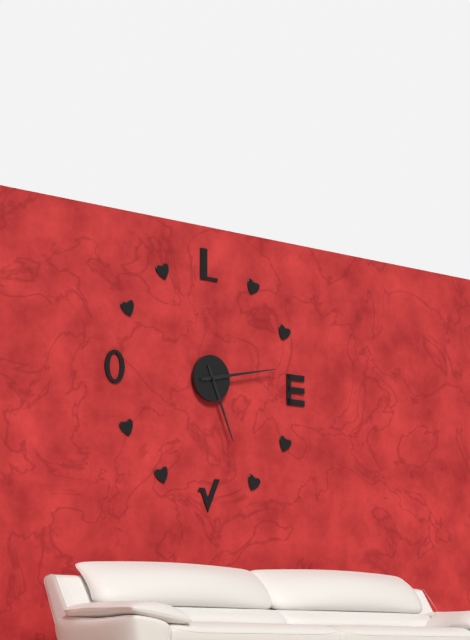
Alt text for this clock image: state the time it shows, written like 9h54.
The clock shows 5h13
